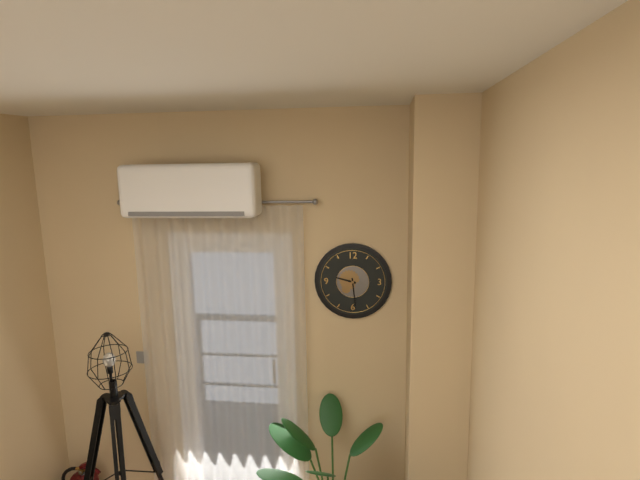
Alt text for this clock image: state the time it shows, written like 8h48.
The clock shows 9h29
